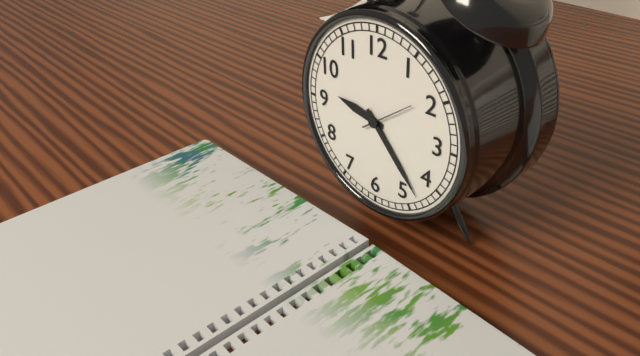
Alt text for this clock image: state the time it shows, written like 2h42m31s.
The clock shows 9h23m09s
